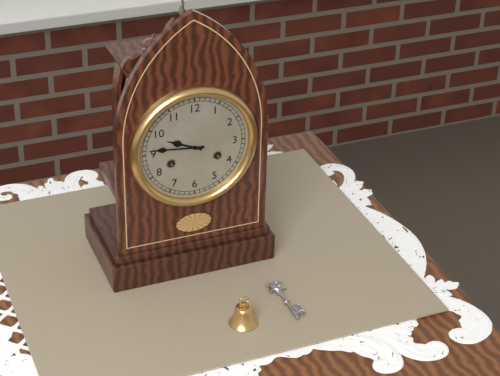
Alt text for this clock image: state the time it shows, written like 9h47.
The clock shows 9h46
